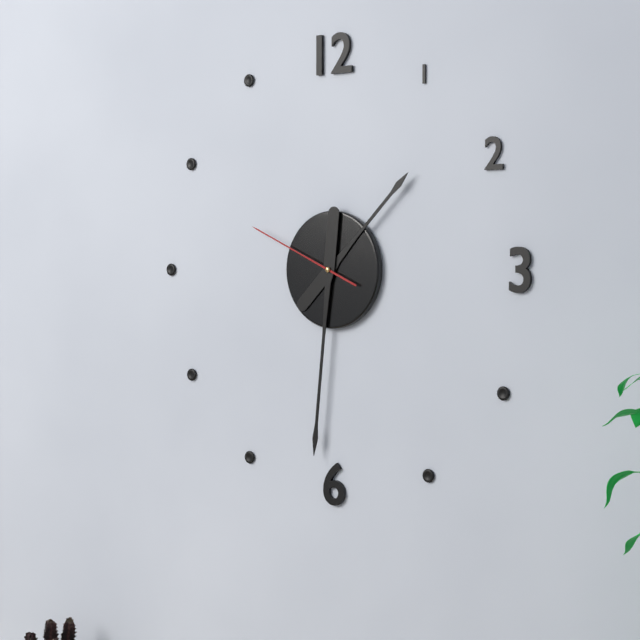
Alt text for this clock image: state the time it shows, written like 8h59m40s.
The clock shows 1h31m49s
